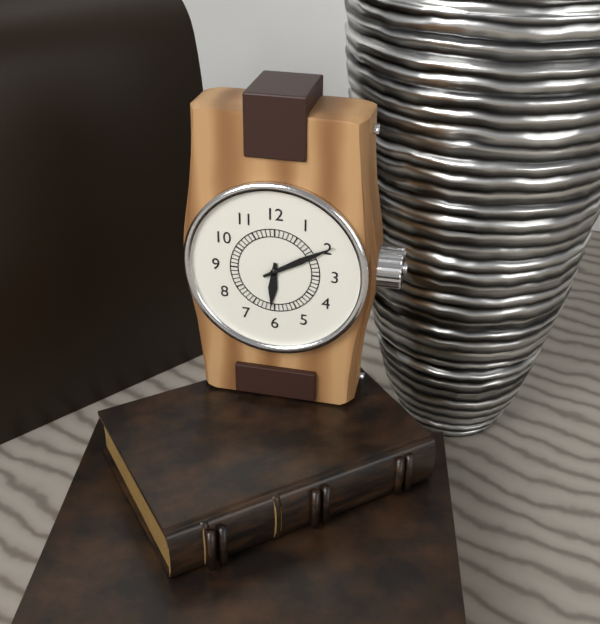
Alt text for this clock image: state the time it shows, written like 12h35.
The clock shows 6h10
